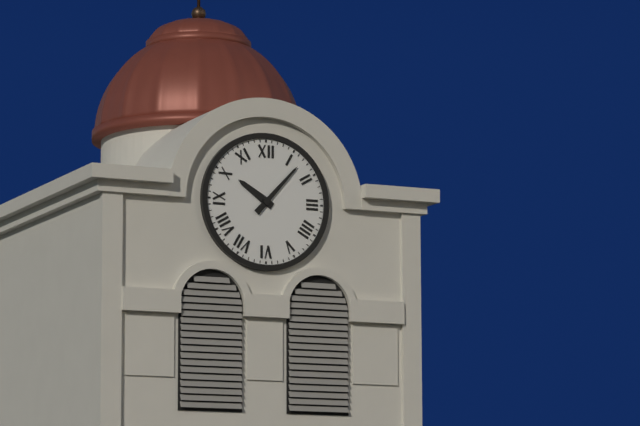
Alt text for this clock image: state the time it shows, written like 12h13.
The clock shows 10h07
